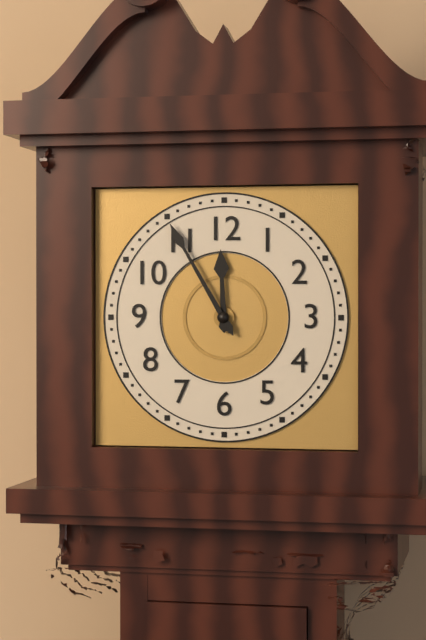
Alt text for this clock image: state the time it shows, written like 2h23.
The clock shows 11h55
